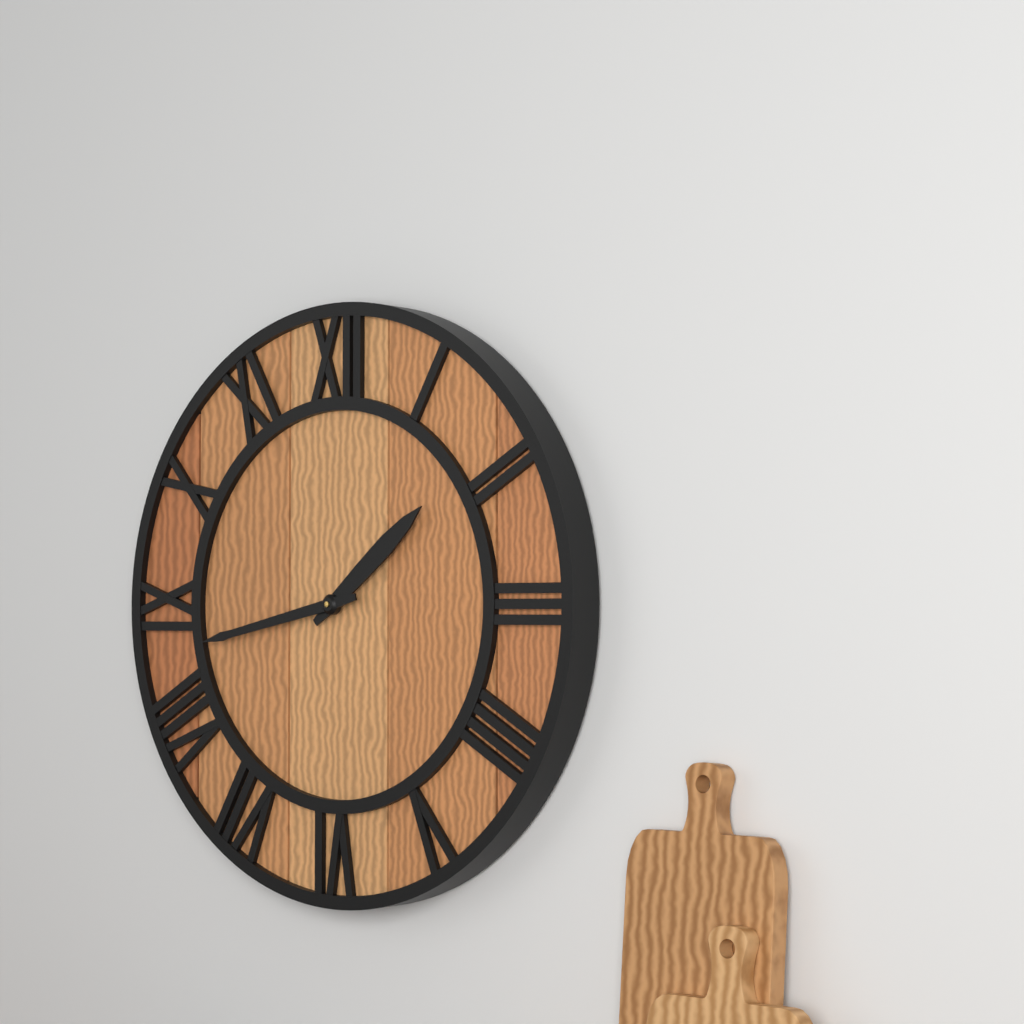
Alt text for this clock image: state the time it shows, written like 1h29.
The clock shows 1h43
